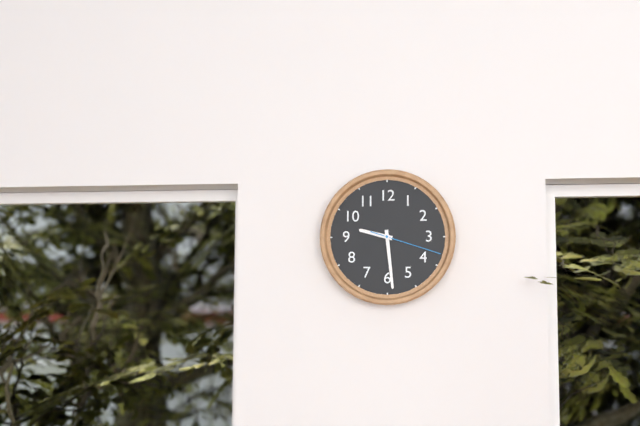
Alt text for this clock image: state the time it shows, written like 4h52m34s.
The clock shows 9h29m18s
